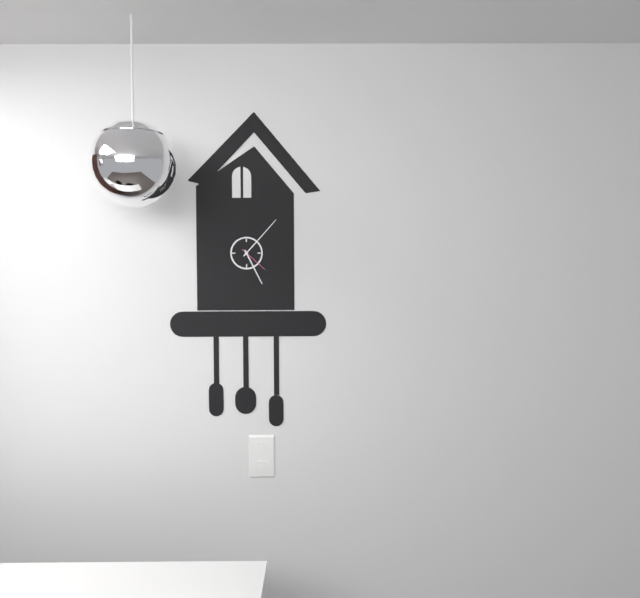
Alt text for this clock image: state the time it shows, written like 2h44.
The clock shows 5h07
